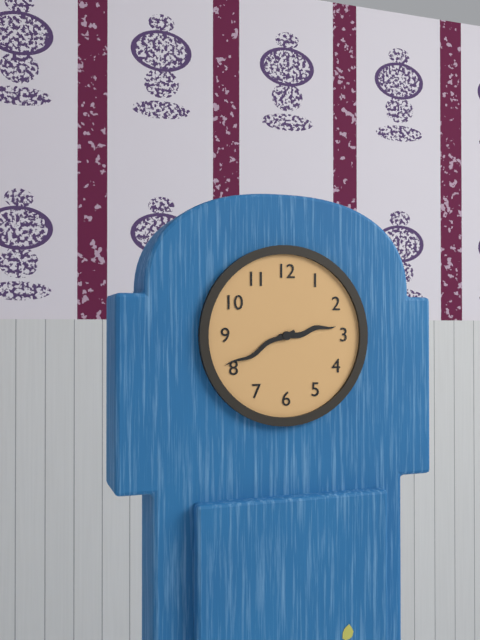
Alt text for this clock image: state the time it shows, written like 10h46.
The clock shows 2h41
